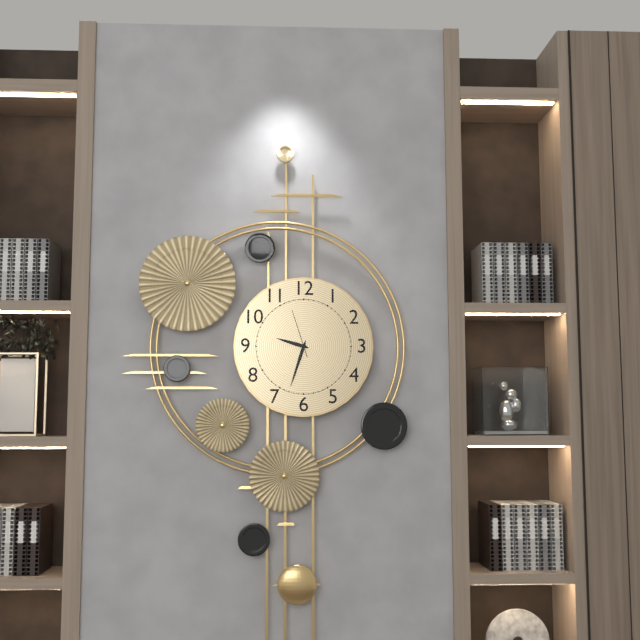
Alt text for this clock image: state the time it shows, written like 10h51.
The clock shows 9h33
